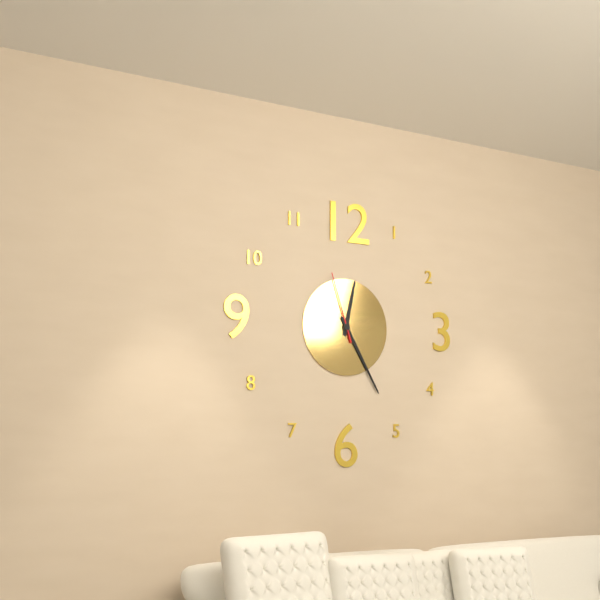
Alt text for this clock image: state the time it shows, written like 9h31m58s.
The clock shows 12h25m57s
